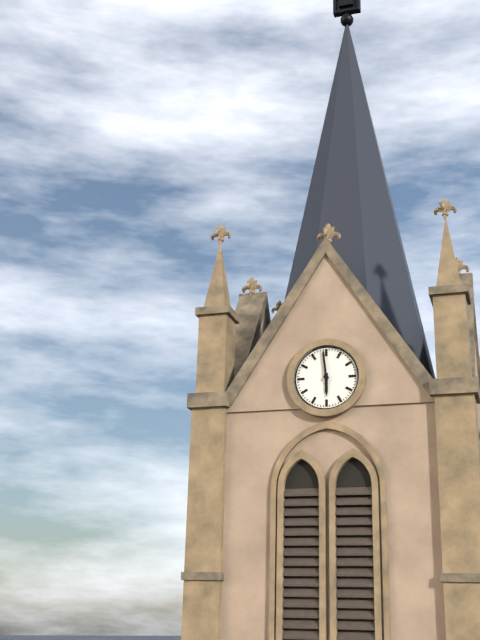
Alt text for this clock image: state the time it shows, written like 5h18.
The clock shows 5h59
